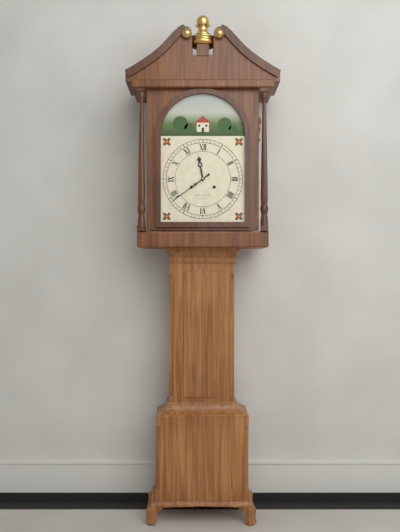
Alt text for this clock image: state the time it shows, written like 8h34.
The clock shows 11h39
